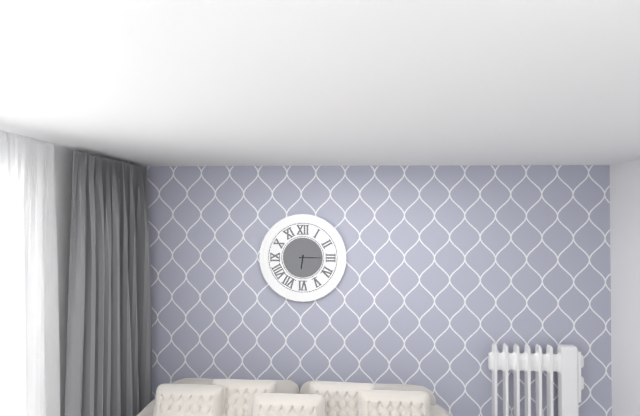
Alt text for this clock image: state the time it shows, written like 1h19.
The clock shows 6h15
